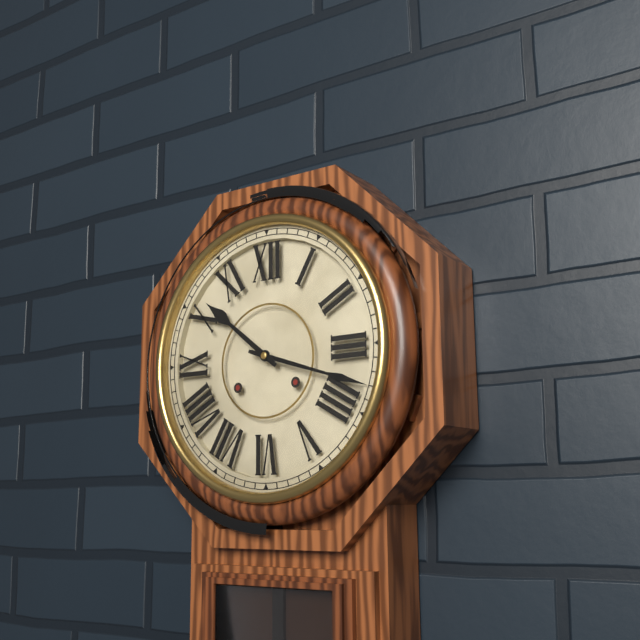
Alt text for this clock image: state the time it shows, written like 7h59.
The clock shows 10h18
